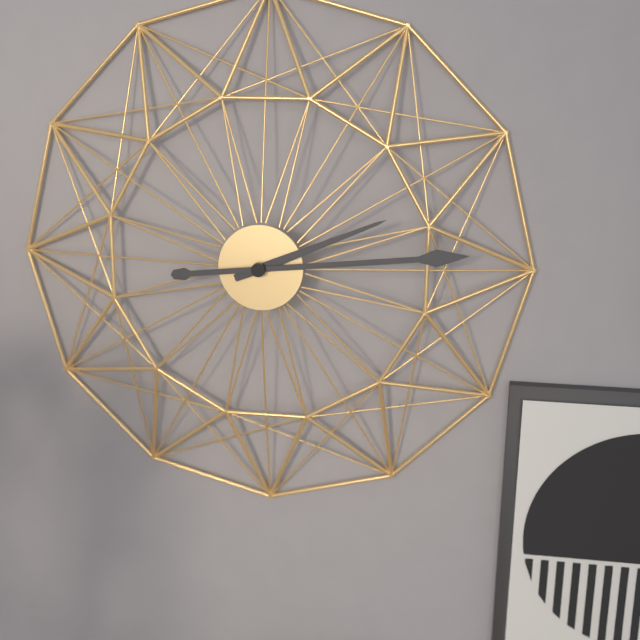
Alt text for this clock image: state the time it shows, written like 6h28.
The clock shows 2h14
